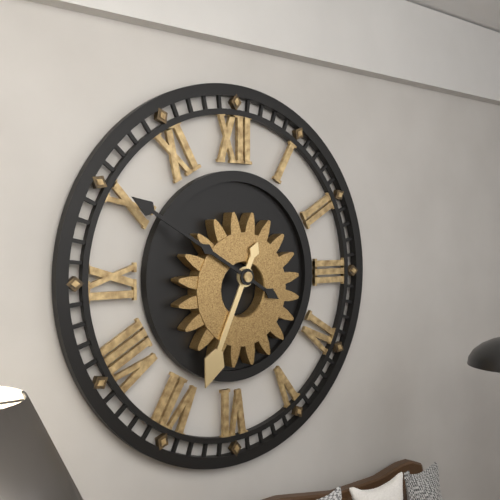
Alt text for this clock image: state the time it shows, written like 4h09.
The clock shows 6h50
